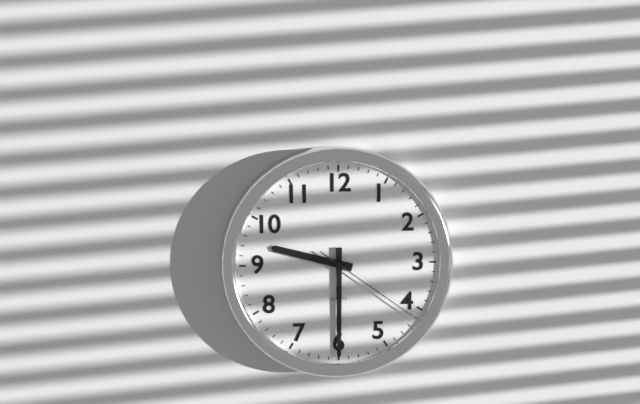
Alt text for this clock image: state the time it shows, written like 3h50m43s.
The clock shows 9h30m21s
